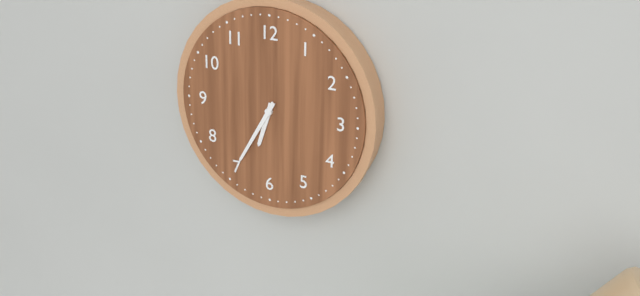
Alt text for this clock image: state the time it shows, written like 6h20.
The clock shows 6h35
